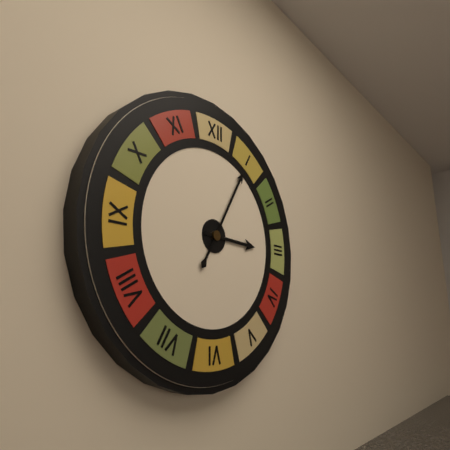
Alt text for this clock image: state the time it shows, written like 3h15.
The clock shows 3h05
